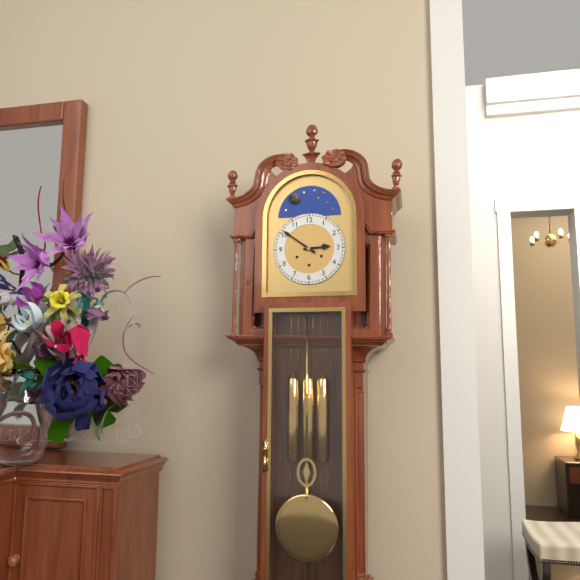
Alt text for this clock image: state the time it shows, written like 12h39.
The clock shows 2h51
